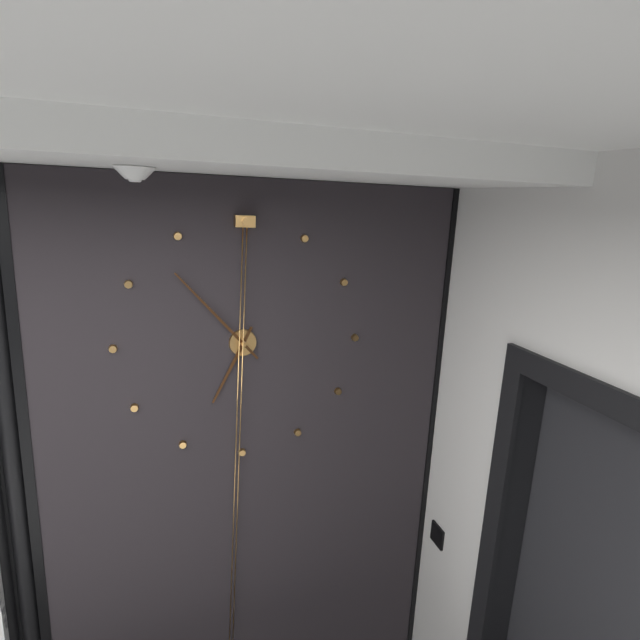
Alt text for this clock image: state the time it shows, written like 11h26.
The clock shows 6h53
